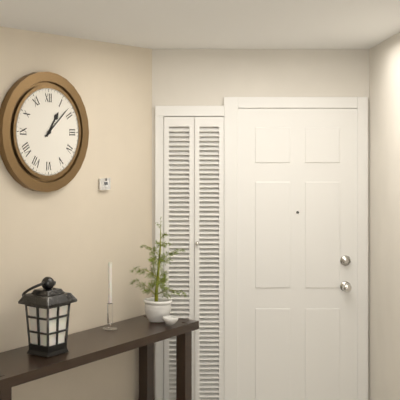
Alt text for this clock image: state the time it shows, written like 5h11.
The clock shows 1h08
